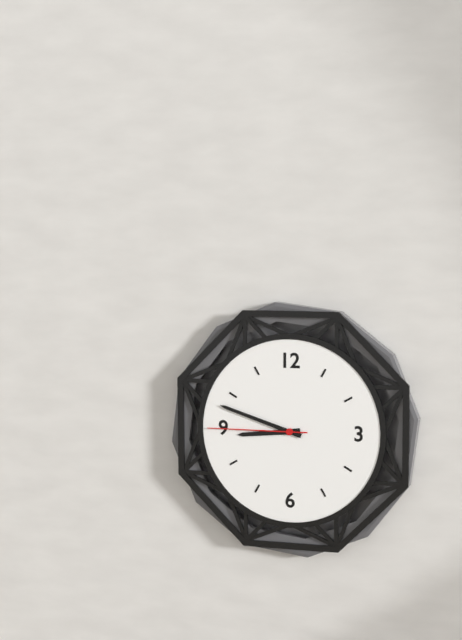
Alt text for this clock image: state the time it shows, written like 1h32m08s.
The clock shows 8h48m45s
